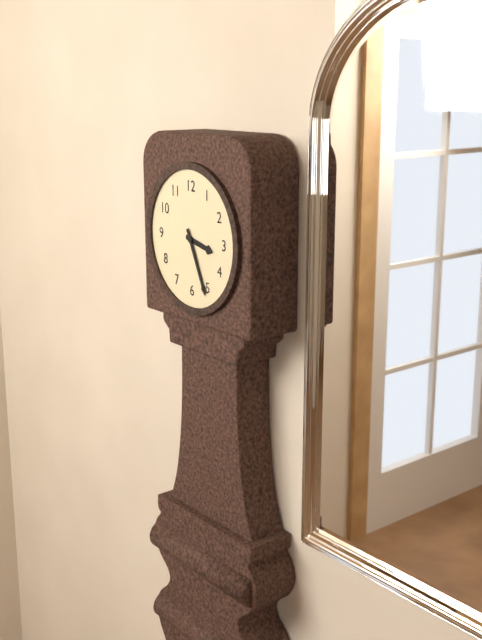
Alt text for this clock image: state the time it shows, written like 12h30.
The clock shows 3h26
